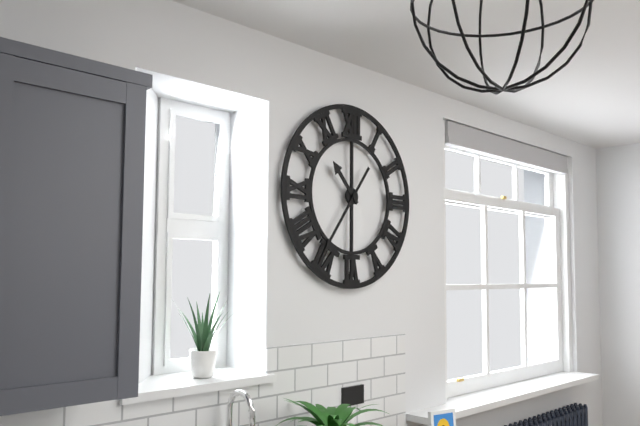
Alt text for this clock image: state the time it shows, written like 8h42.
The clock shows 10h36
